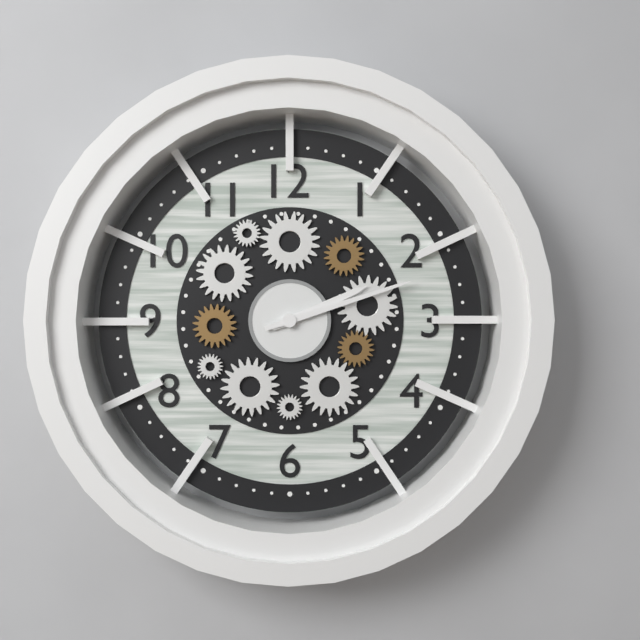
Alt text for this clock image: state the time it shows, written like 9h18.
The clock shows 2h12
